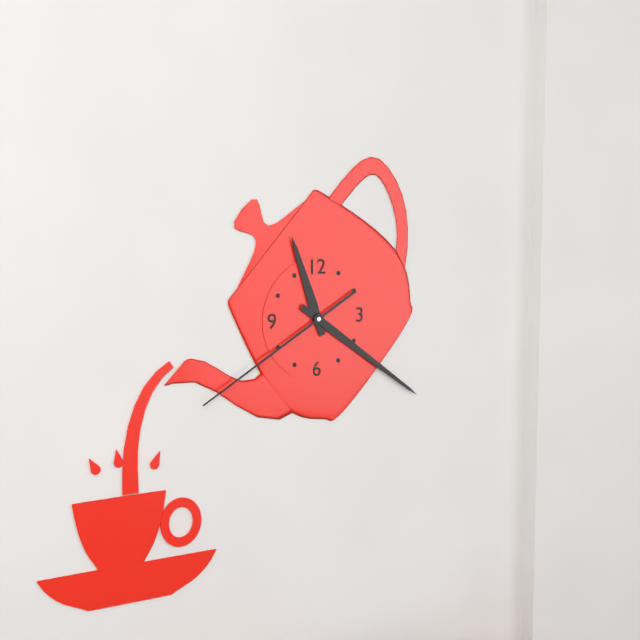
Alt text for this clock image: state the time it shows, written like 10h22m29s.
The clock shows 11h21m40s
